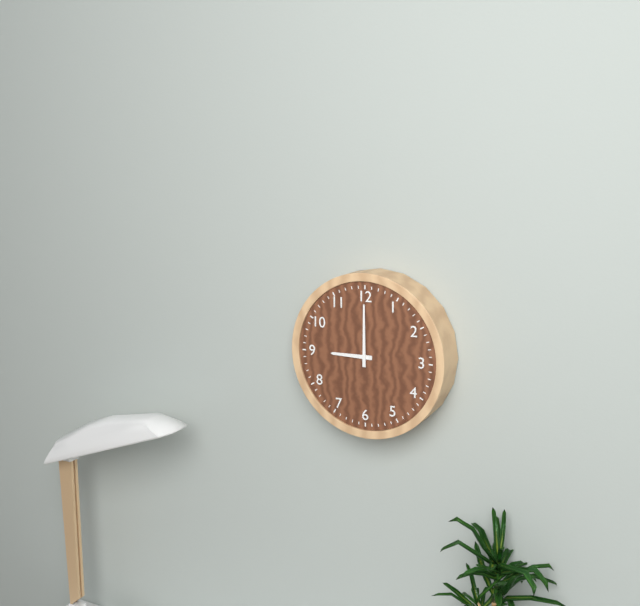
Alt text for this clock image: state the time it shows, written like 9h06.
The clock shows 9h00
